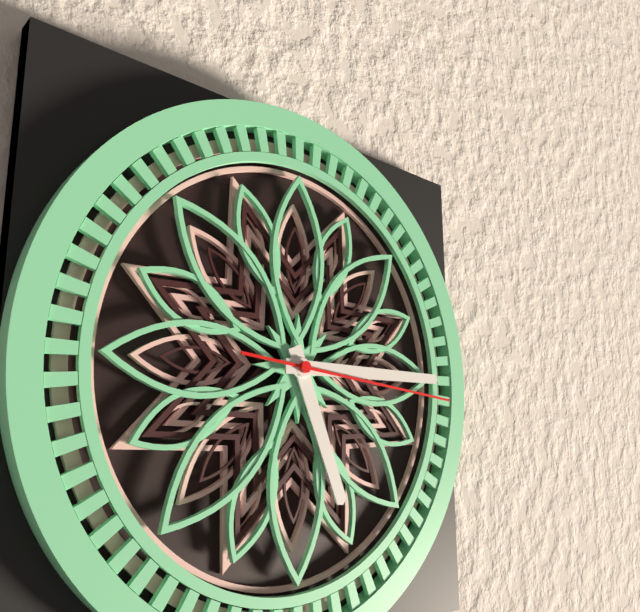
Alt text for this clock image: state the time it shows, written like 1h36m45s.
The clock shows 5h15m16s
